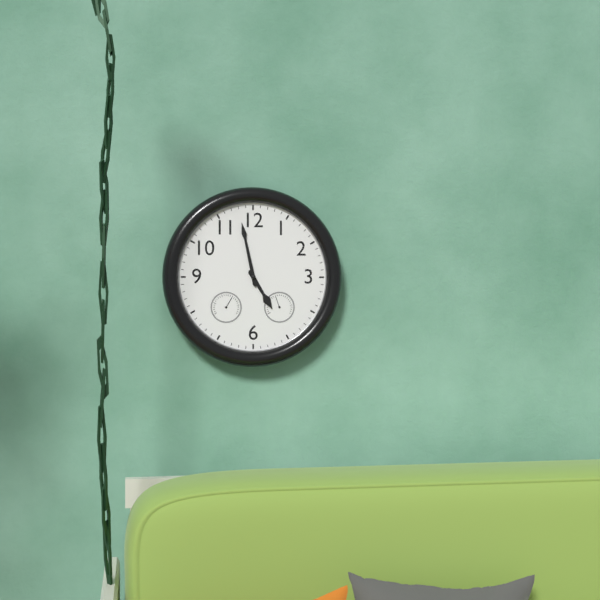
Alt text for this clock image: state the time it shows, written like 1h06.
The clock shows 4h58
